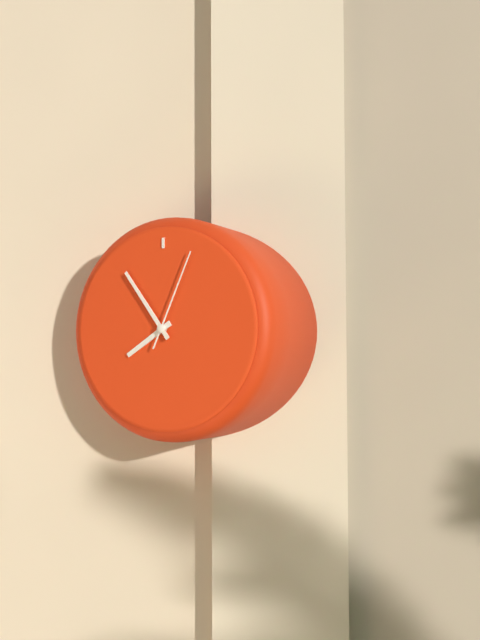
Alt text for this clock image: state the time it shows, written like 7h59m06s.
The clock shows 7h54m04s
